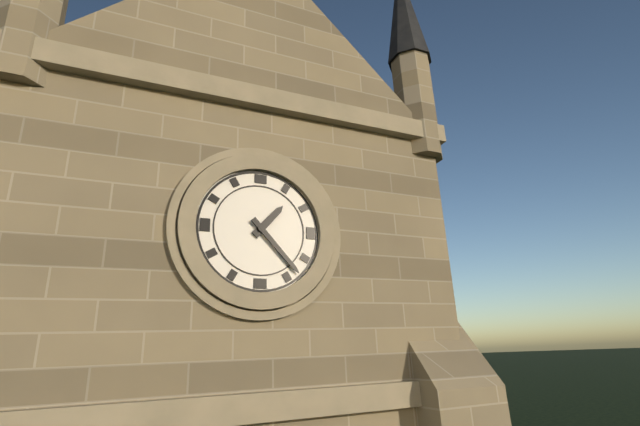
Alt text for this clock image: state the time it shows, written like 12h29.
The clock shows 1h23
